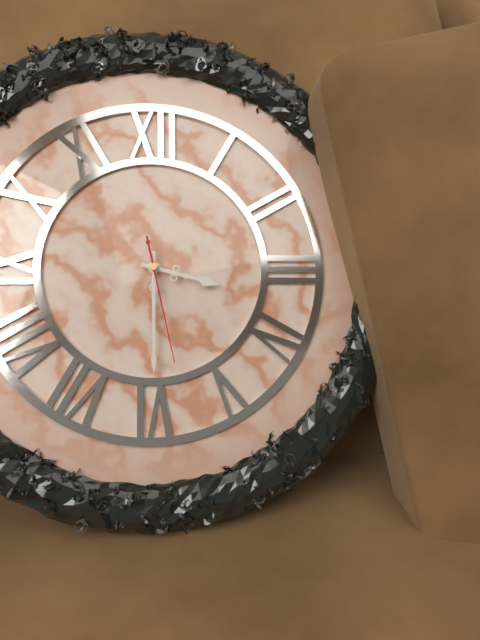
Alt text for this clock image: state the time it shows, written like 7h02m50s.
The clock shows 3h30m28s
